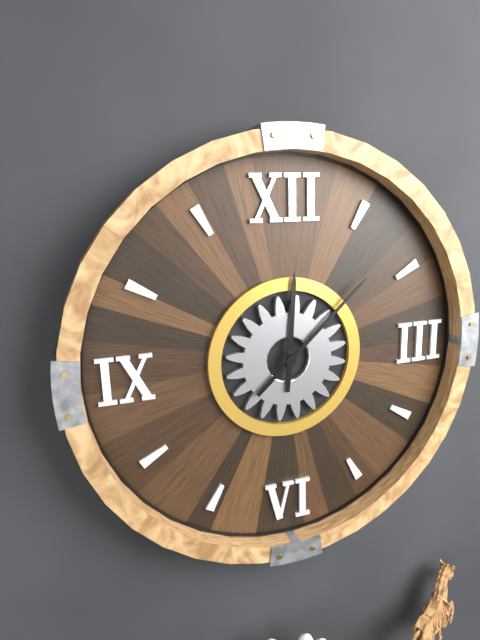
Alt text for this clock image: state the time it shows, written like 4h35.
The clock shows 12h08
